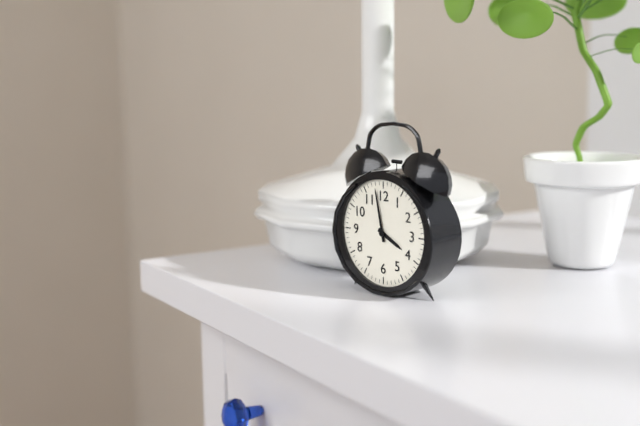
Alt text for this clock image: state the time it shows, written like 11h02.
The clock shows 3h58
